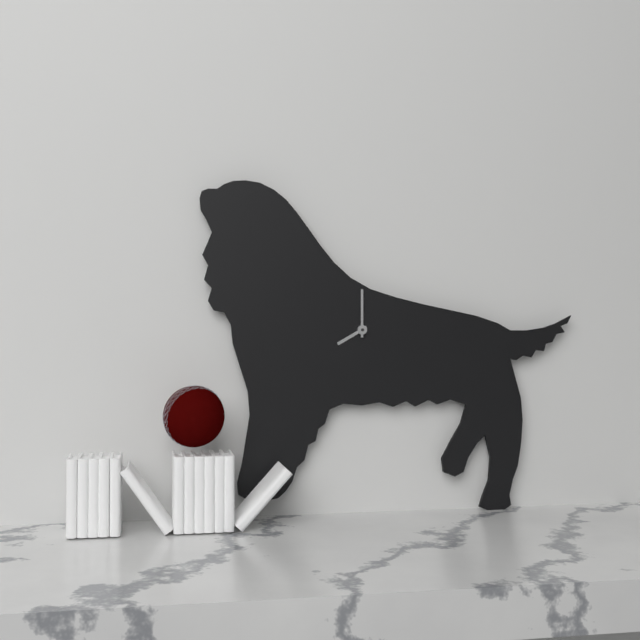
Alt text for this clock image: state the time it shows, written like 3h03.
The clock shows 8h00
